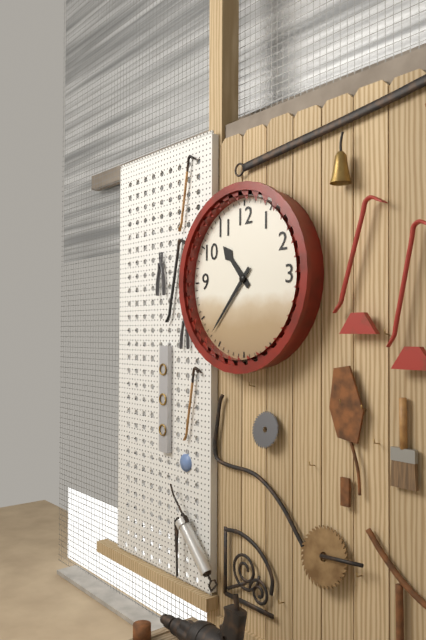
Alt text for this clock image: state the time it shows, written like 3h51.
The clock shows 10h37
